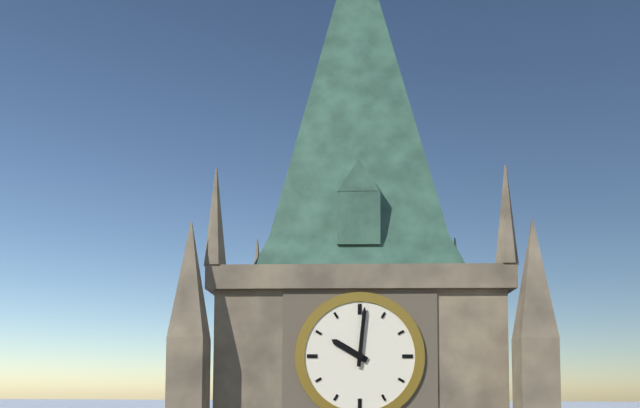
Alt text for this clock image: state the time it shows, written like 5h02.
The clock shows 10h01
